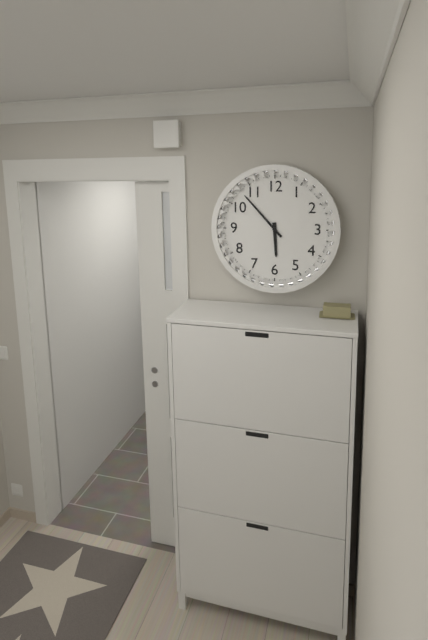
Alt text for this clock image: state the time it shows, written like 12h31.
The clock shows 5h53
